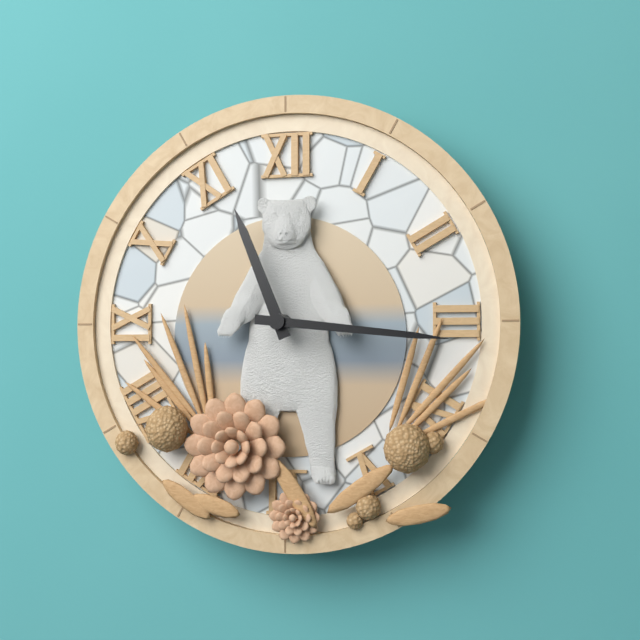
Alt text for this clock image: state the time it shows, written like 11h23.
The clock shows 11h16
